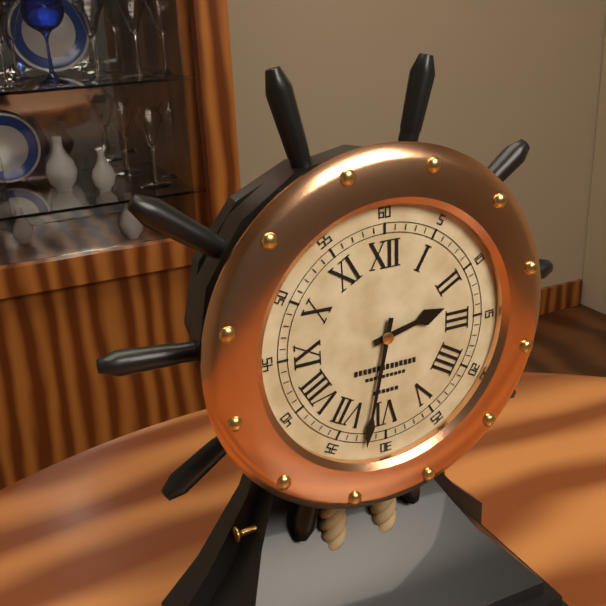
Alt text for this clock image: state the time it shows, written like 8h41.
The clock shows 2h32
